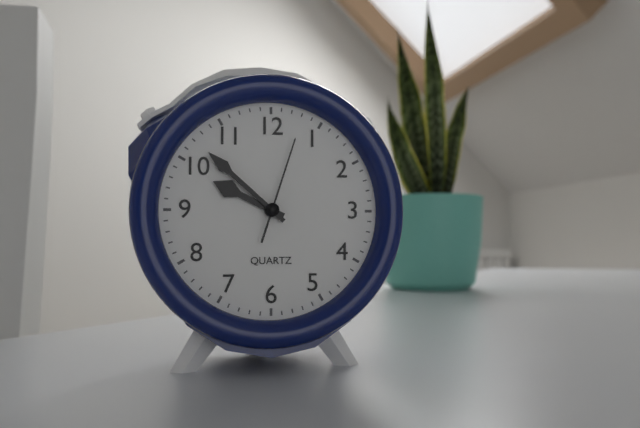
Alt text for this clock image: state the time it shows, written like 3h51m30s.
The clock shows 9h52m03s
